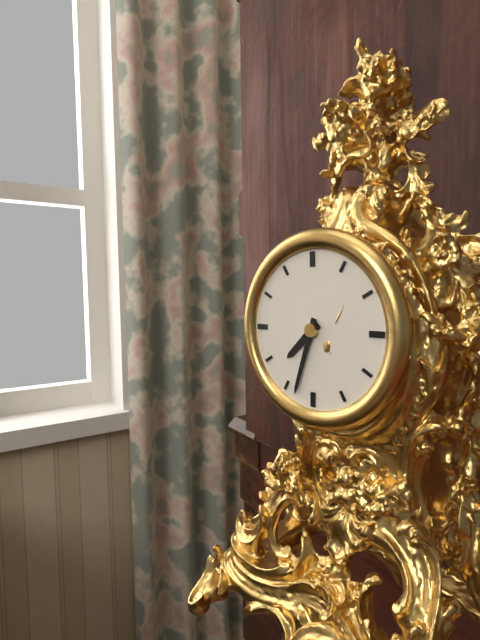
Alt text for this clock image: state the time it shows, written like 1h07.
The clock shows 7h33
